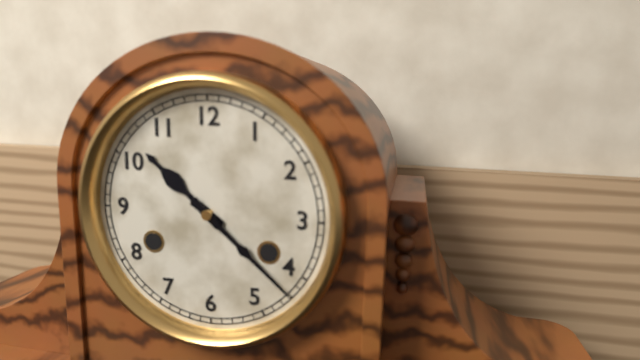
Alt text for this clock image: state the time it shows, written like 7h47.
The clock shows 10h22
